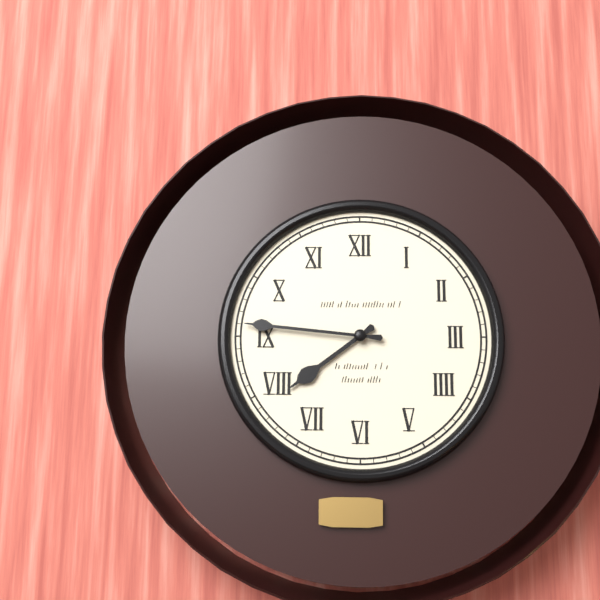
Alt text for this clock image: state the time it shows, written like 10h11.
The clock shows 7h46
